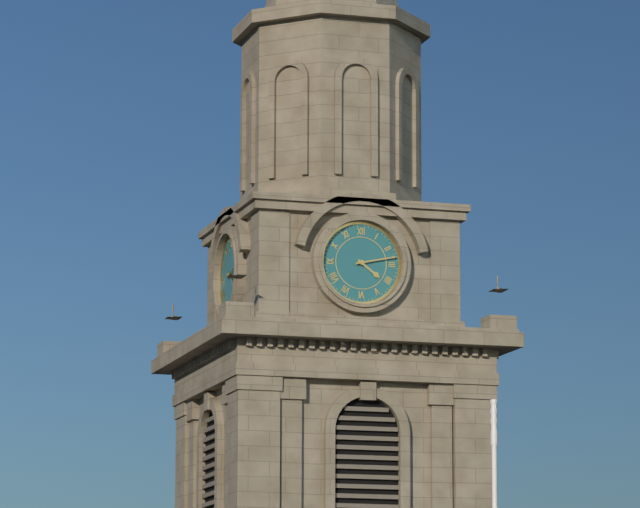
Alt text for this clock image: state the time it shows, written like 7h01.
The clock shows 4h13
